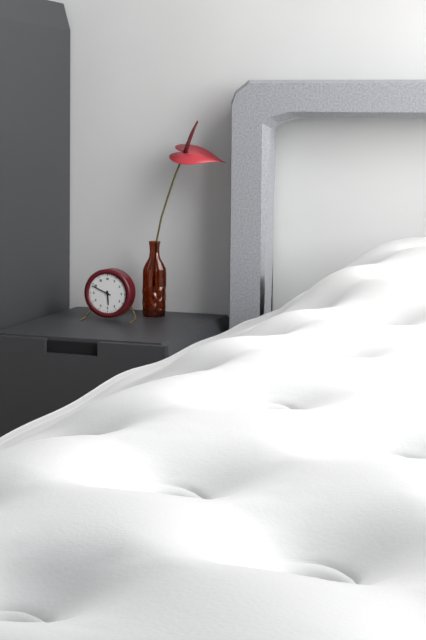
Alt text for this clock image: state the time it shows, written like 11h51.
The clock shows 5h49
